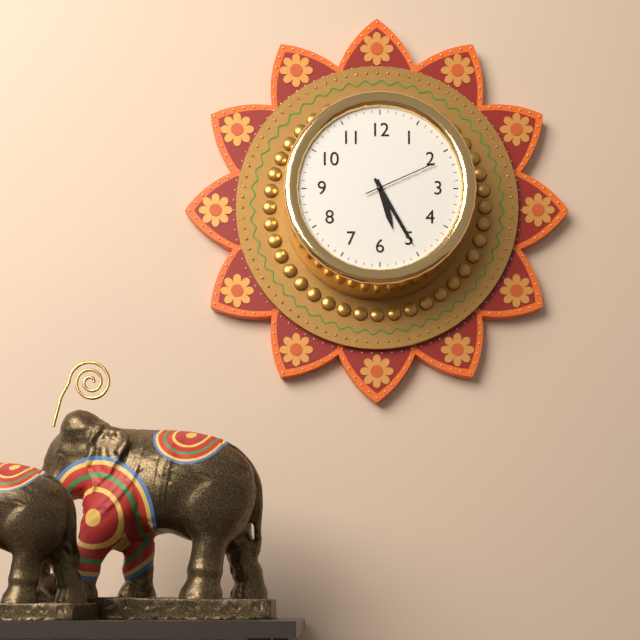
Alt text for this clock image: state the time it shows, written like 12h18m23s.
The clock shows 5h25m11s
